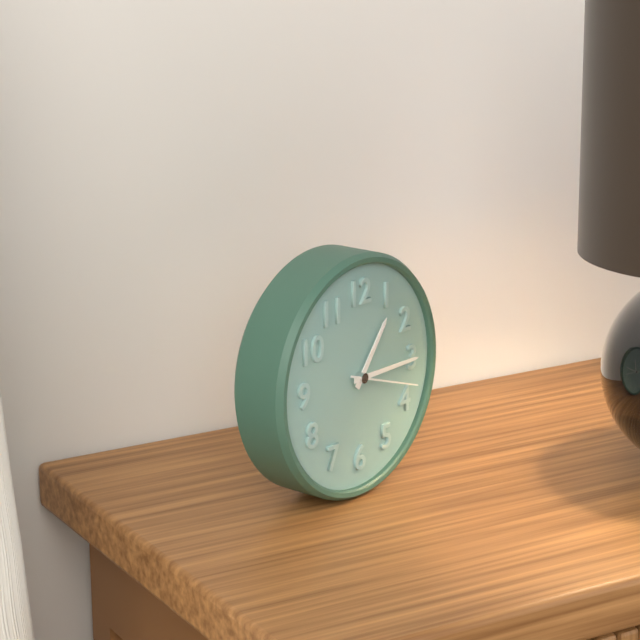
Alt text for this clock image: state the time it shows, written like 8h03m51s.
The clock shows 1h15m18s
